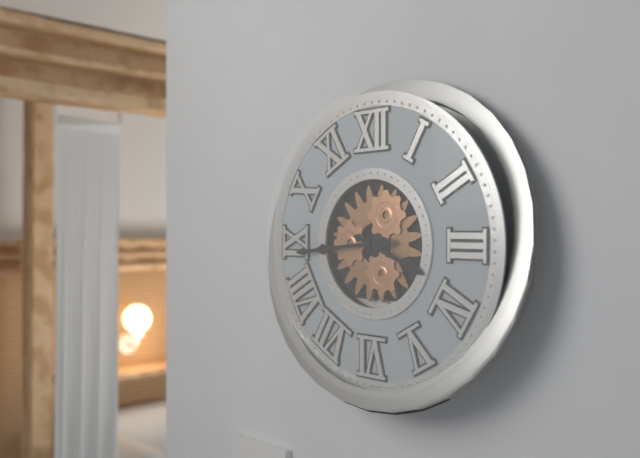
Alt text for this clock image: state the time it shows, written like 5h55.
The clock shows 3h44
